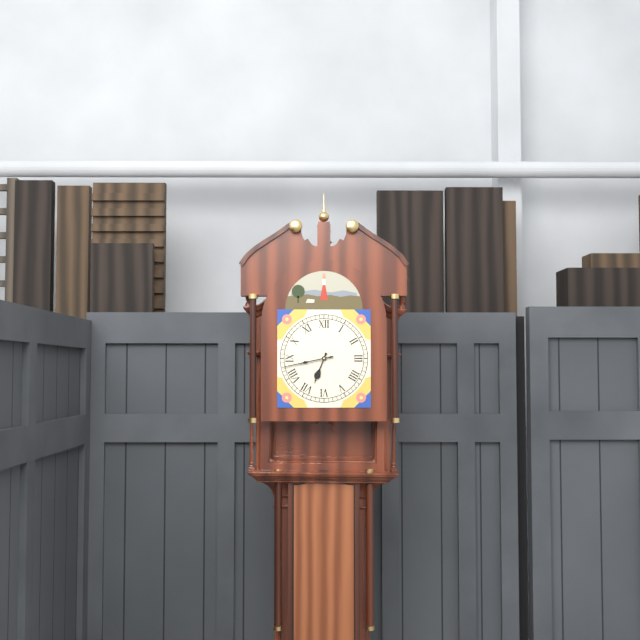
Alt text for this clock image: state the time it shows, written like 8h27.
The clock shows 6h43
